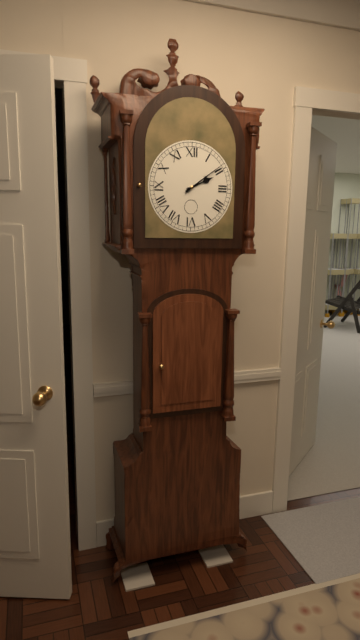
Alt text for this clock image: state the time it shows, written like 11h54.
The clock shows 2h09
